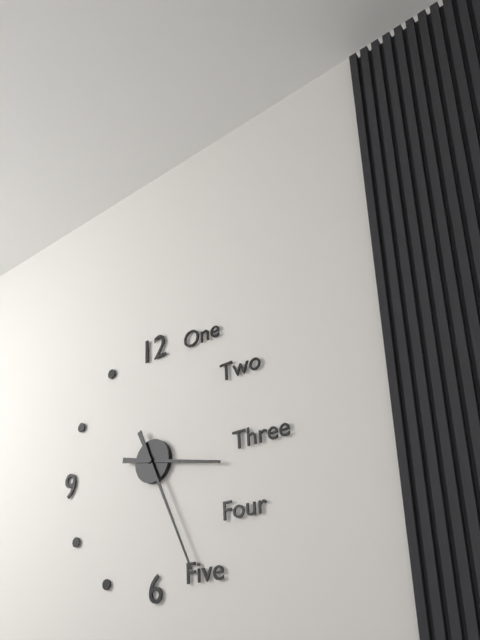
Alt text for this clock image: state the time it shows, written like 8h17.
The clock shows 3h26
